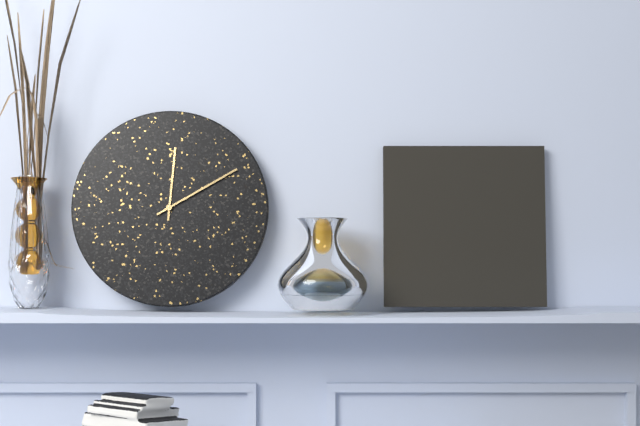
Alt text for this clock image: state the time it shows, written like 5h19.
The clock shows 12h10
